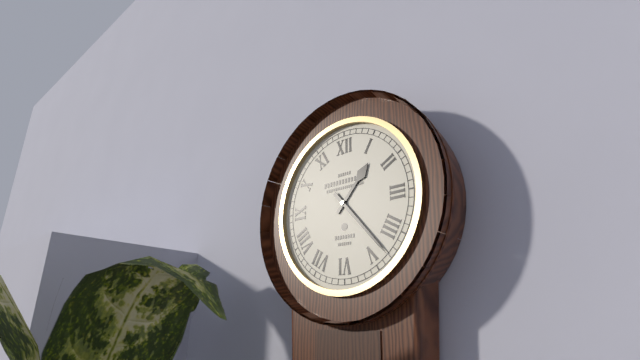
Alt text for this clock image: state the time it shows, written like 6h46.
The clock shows 1h23
